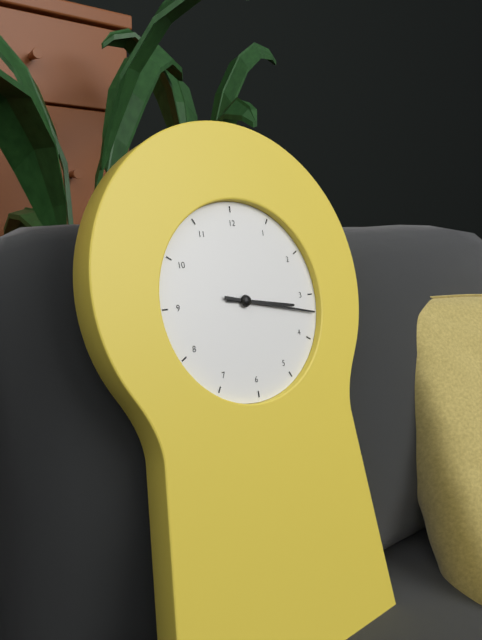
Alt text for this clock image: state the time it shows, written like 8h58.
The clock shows 3h17
